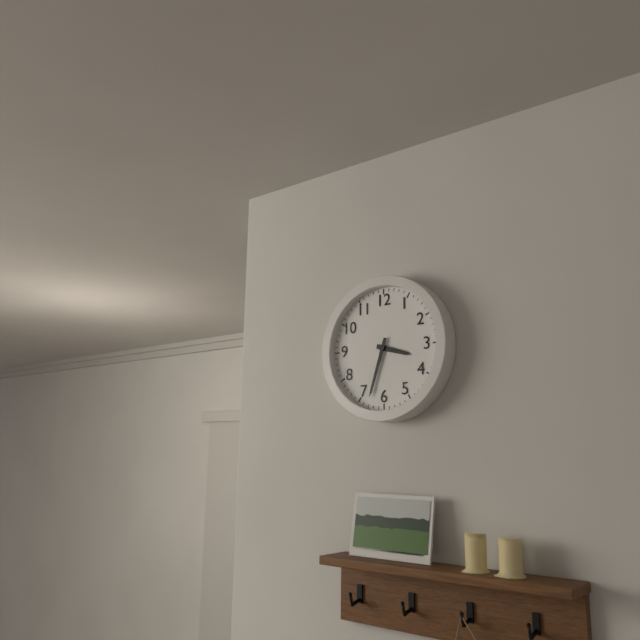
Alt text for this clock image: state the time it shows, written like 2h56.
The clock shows 3h33
